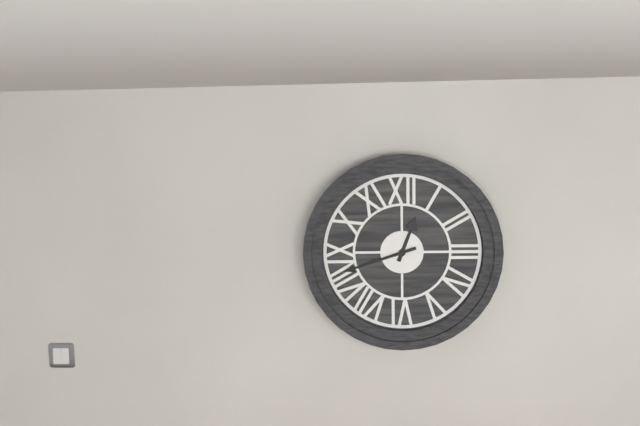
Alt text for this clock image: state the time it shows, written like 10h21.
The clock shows 12h42
